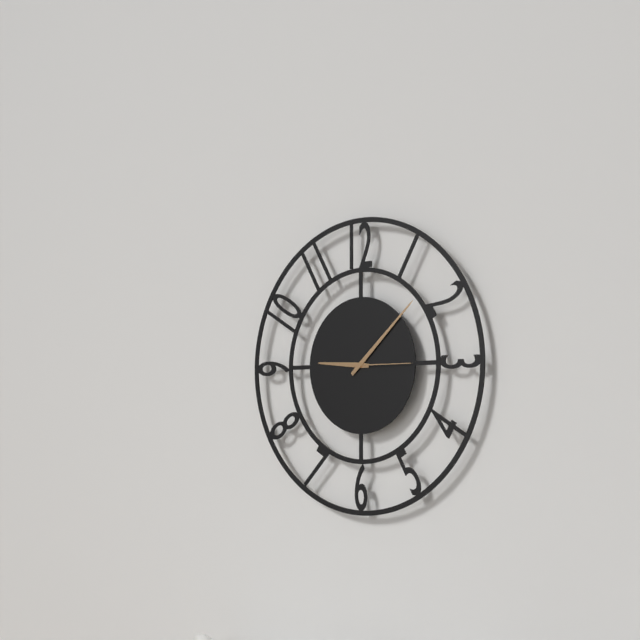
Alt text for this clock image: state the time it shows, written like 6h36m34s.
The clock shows 9h08m15s
